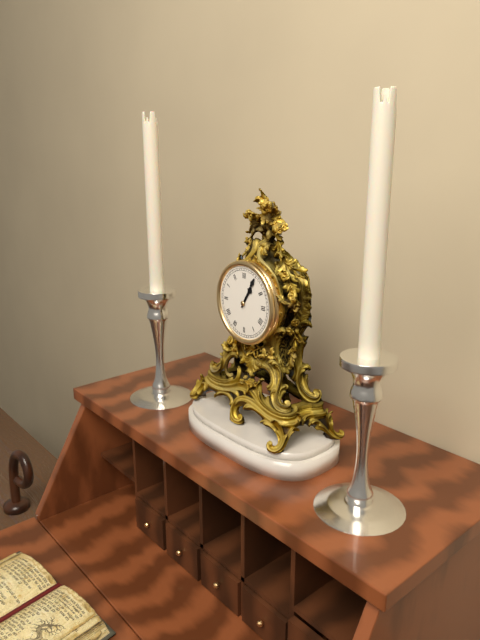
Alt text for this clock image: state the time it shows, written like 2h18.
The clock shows 1h05
